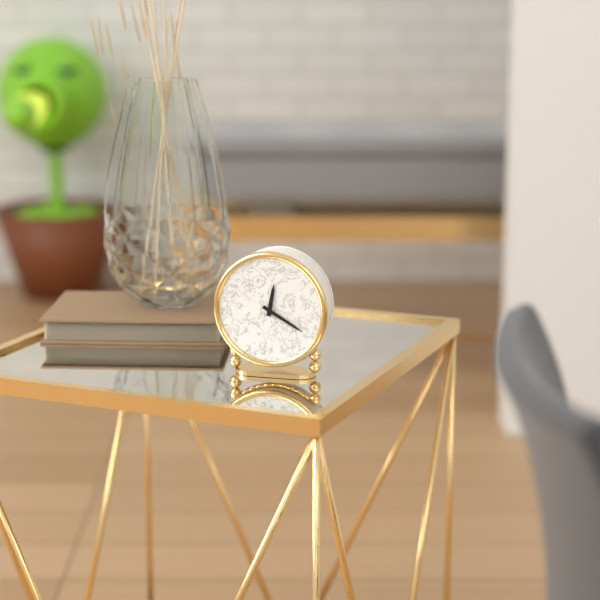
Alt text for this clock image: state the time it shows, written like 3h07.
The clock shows 12h20
